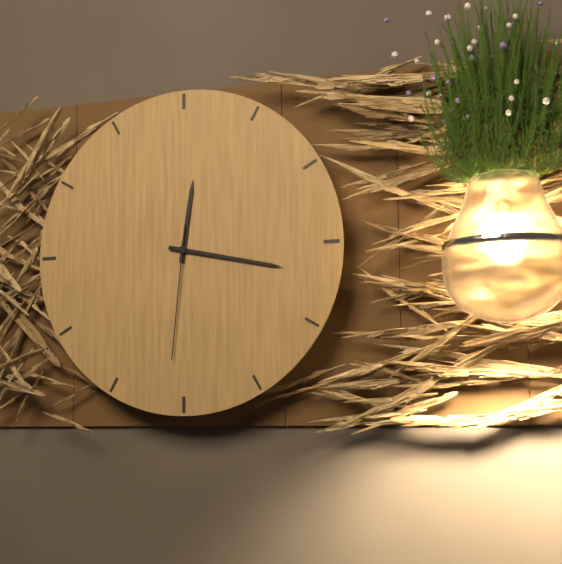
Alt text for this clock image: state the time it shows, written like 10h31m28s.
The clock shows 12h17m31s
